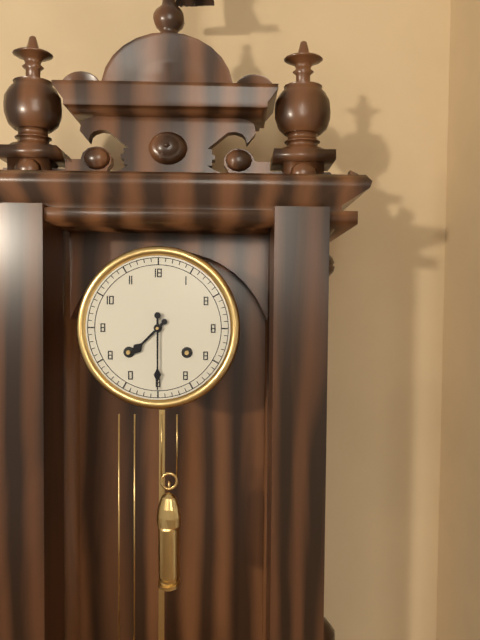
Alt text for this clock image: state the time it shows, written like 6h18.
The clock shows 7h30
